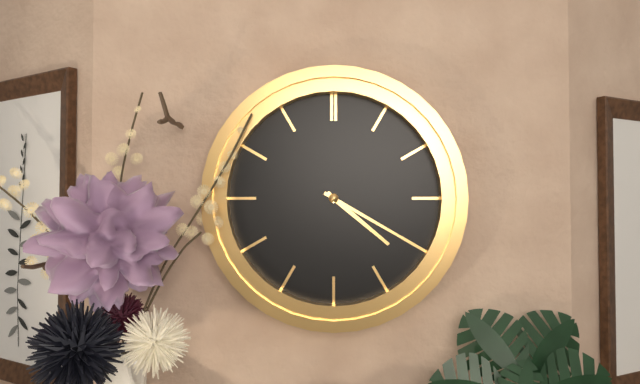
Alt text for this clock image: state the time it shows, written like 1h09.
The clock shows 4h20
